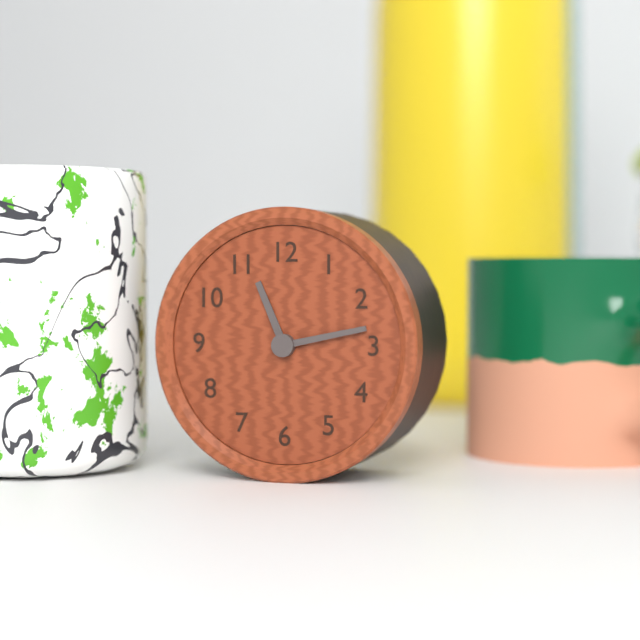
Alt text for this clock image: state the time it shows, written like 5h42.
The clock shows 11h13
